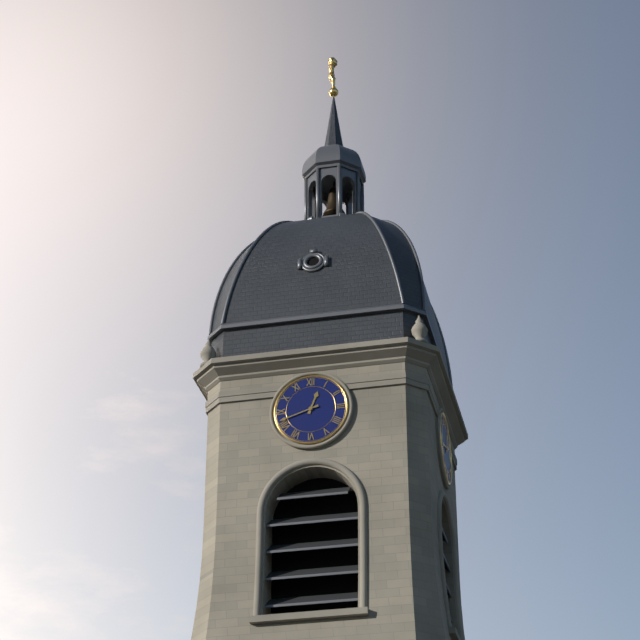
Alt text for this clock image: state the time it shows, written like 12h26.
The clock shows 12h42
